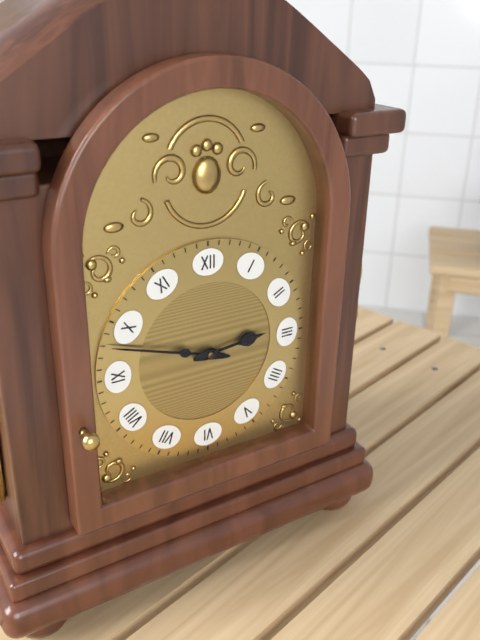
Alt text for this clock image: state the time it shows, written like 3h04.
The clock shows 2h48
